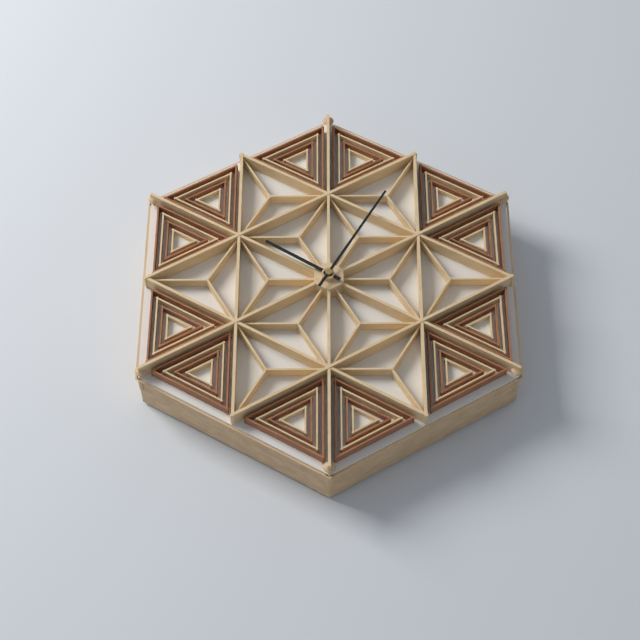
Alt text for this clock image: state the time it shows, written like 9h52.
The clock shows 10h05
